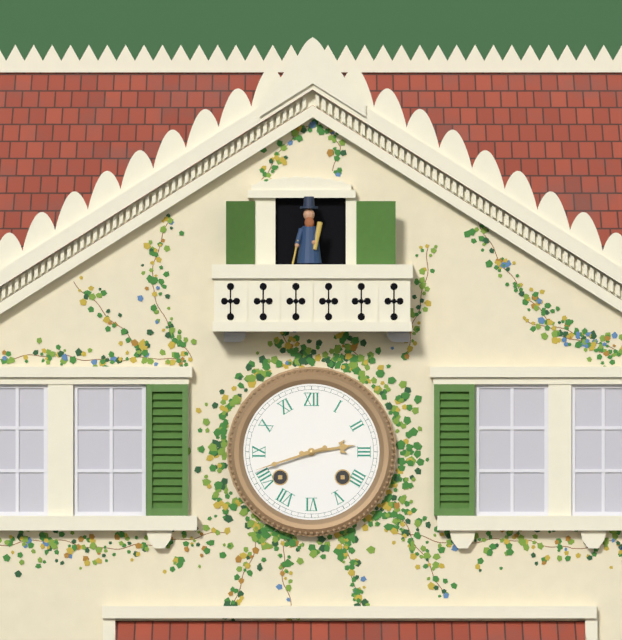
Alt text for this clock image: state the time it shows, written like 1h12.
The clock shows 2h42
